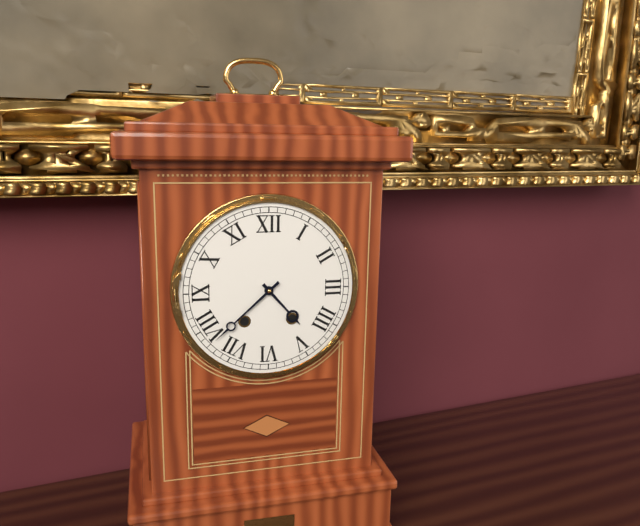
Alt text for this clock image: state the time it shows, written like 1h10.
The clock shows 4h38
